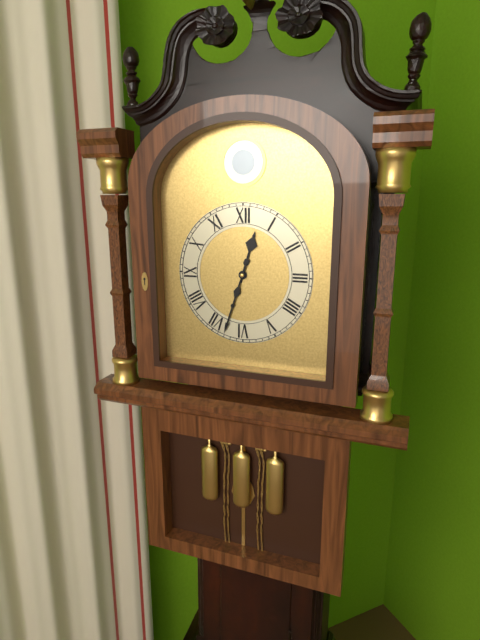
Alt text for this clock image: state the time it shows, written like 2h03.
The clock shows 12h33
